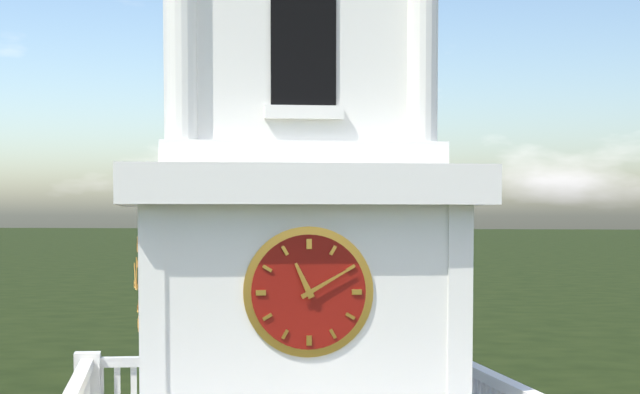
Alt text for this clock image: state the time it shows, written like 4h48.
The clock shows 11h10
